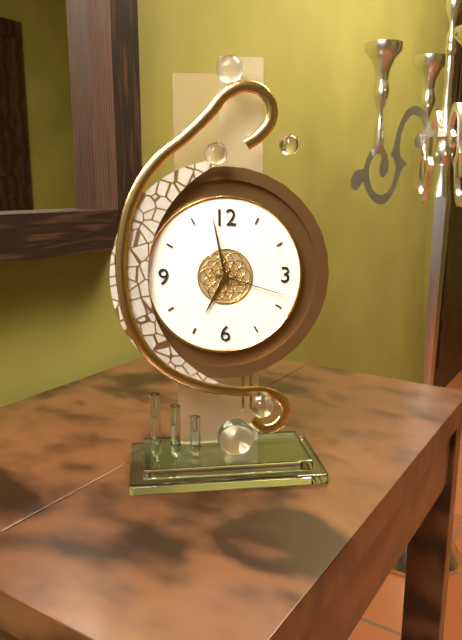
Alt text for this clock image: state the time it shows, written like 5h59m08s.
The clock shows 6h58m18s
